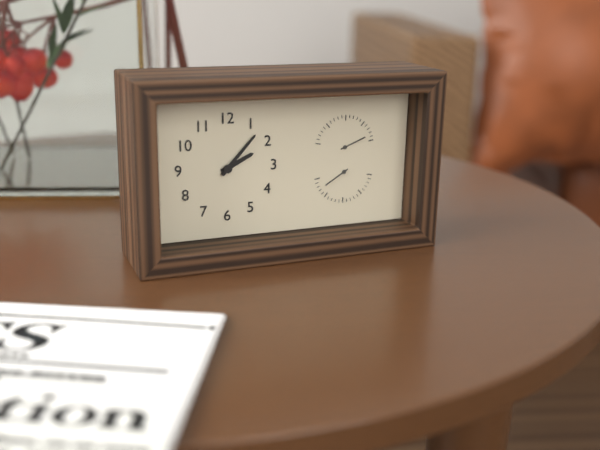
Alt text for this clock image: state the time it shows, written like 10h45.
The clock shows 2h07
